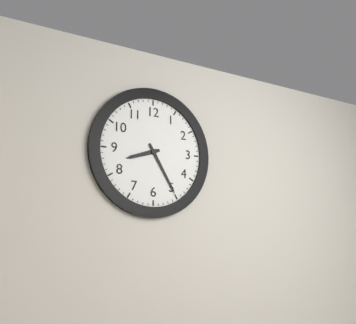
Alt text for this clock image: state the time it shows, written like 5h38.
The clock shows 8h25
